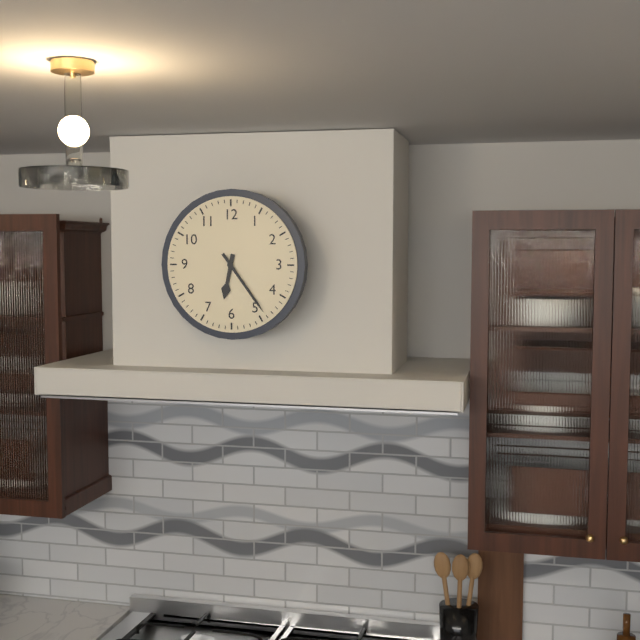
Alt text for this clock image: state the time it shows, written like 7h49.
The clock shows 6h24
